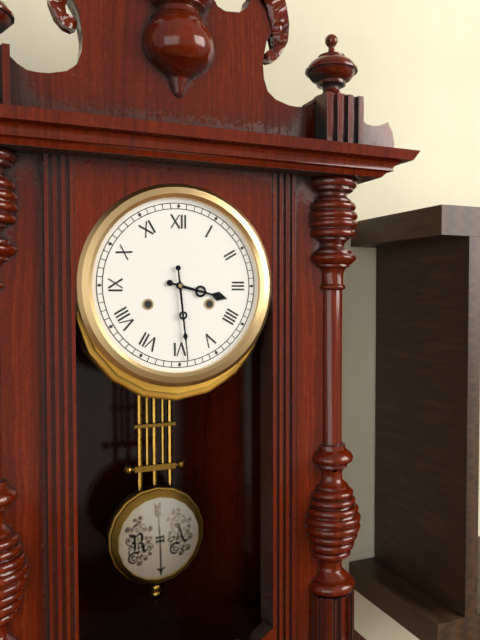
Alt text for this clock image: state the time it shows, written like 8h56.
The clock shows 3h29
